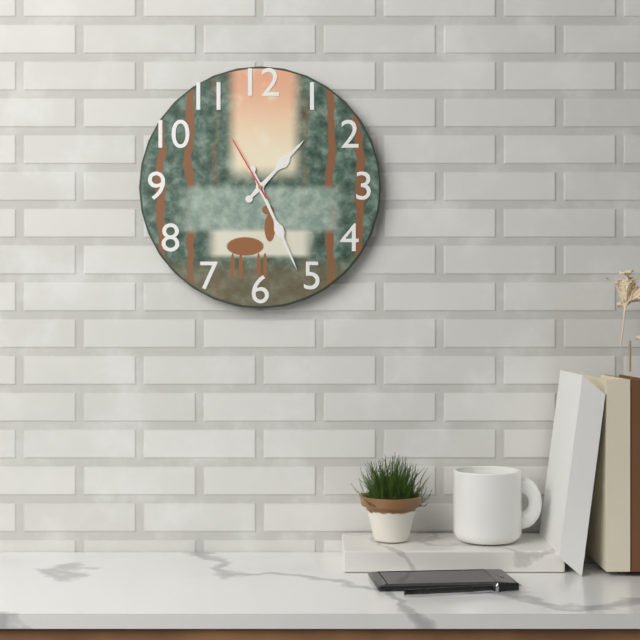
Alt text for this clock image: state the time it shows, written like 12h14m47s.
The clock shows 1h26m55s
